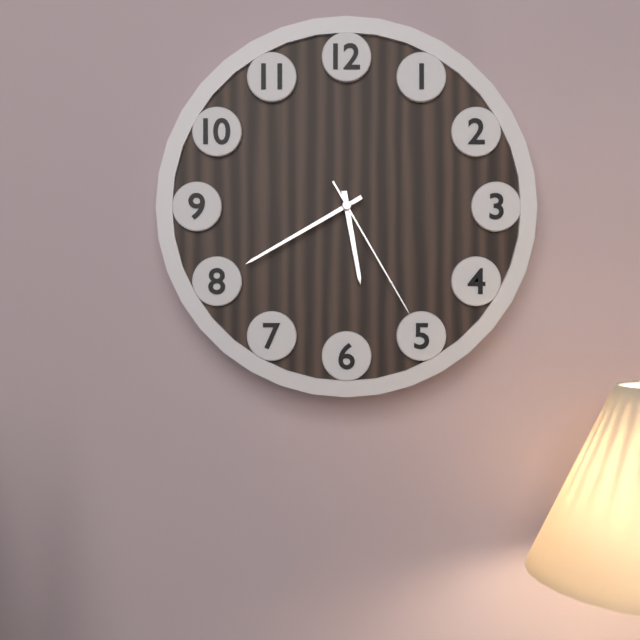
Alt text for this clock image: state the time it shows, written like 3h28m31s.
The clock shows 5h40m25s
